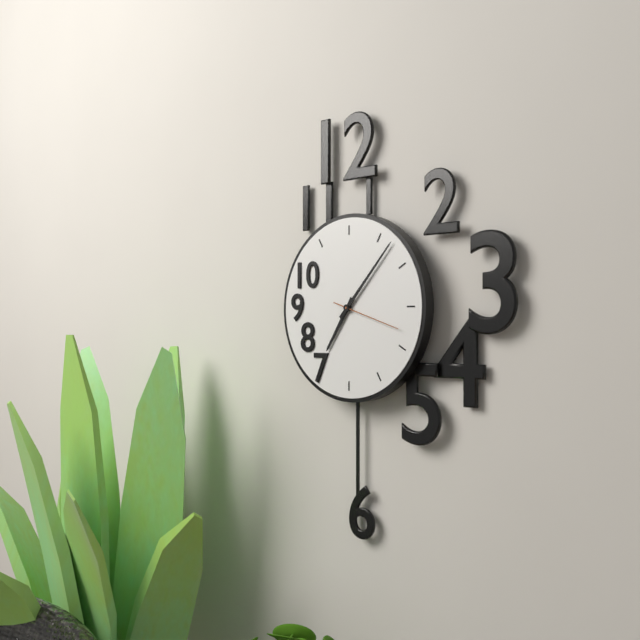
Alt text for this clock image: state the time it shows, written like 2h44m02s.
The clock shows 7h07m18s
